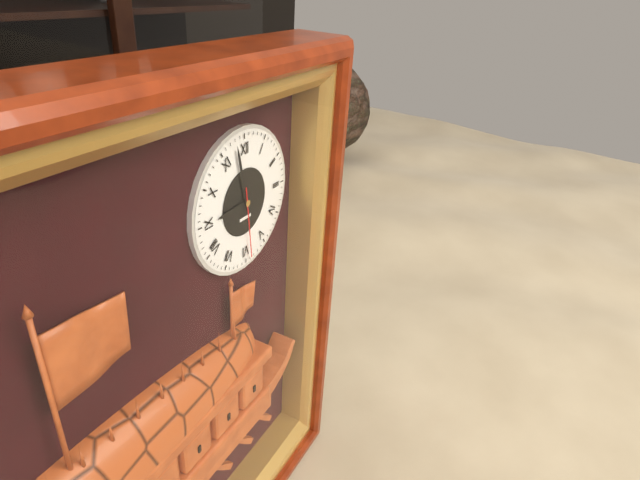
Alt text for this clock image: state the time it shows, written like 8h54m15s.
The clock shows 8h58m29s
